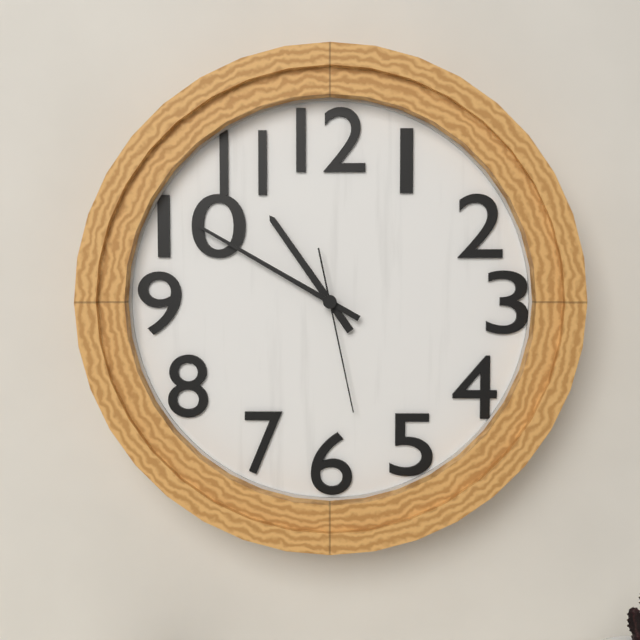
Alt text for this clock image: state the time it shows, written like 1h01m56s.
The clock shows 10h50m28s
